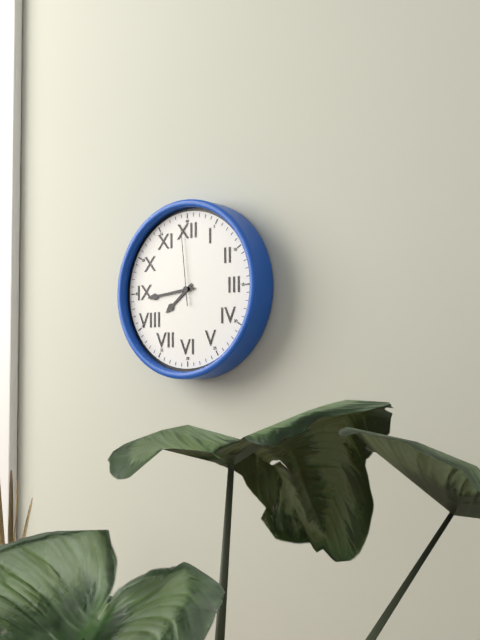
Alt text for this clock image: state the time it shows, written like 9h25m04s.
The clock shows 7h44m59s
